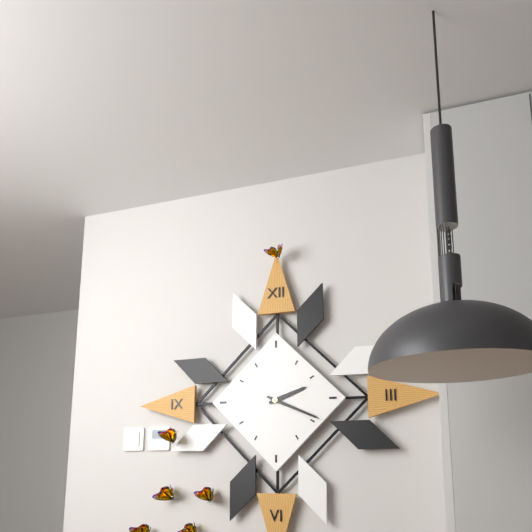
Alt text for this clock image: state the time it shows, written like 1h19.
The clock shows 2h19
